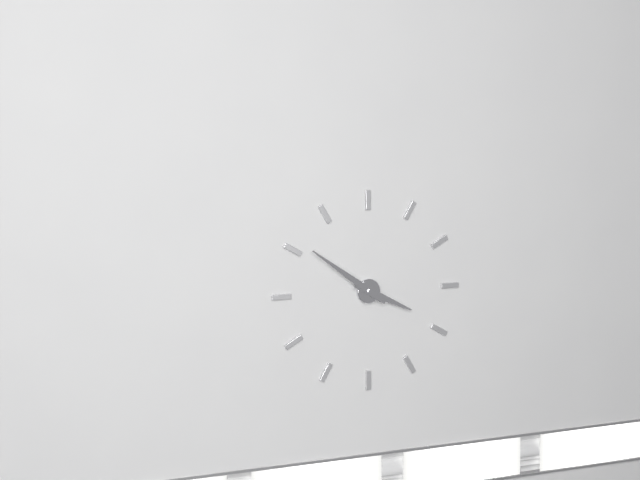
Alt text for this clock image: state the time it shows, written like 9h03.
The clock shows 3h51
